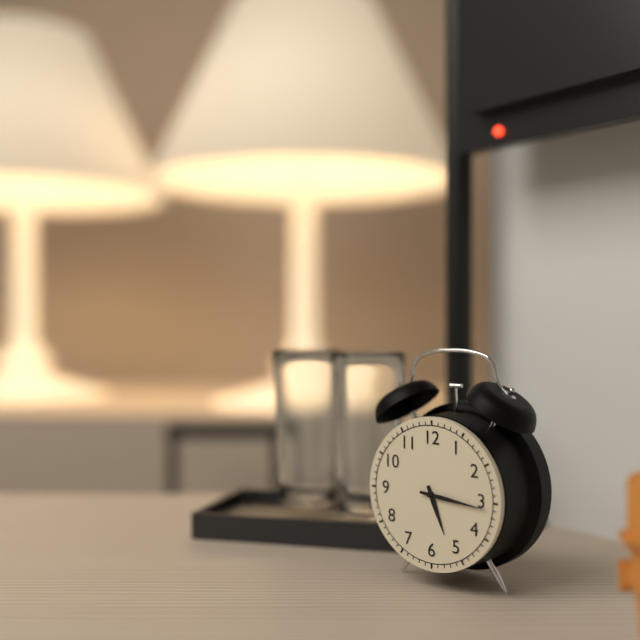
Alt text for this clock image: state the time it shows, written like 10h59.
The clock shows 5h16
